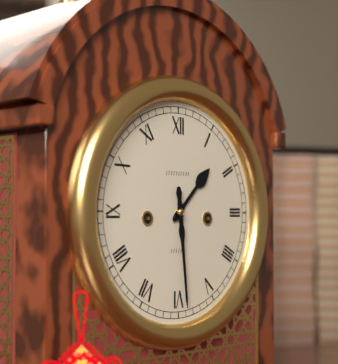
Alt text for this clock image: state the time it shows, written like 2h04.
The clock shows 1h29
